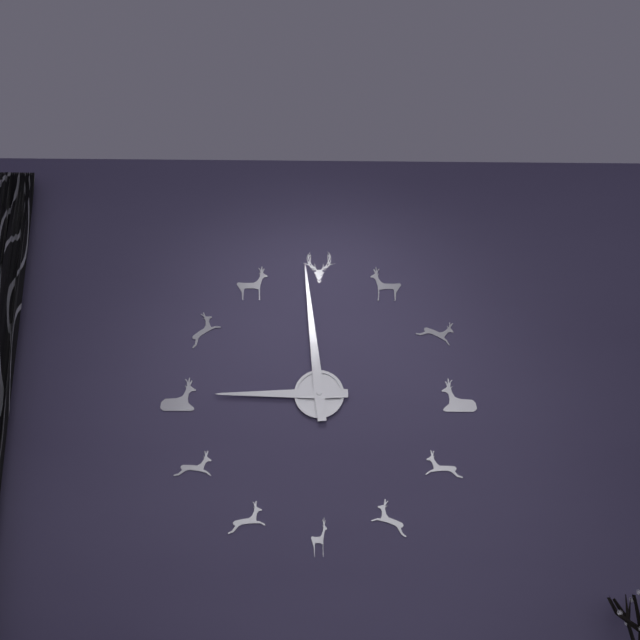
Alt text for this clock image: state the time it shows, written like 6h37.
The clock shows 8h59
